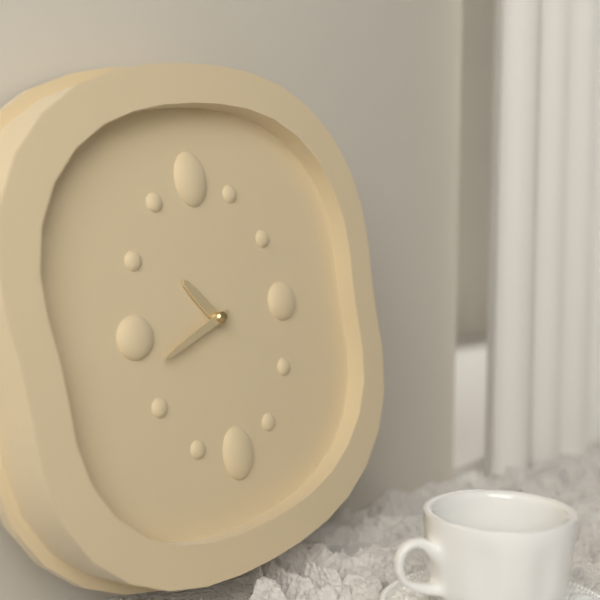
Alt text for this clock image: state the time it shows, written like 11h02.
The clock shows 10h42
